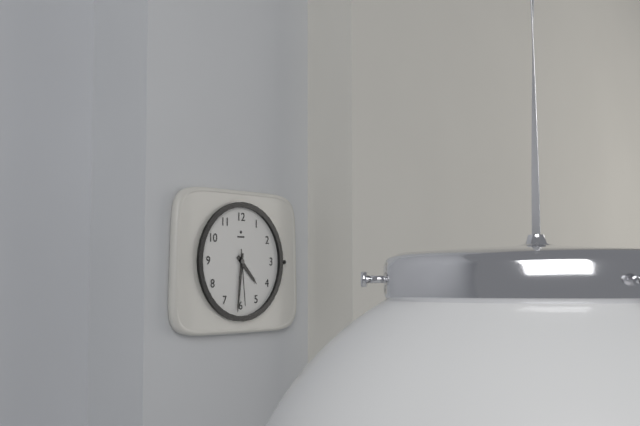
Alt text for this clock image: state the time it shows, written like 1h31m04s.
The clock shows 4h31m29s
